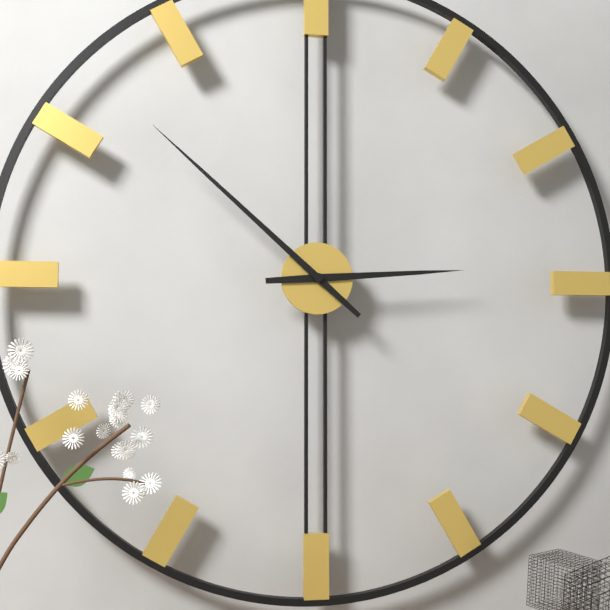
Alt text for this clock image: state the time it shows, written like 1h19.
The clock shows 2h52
